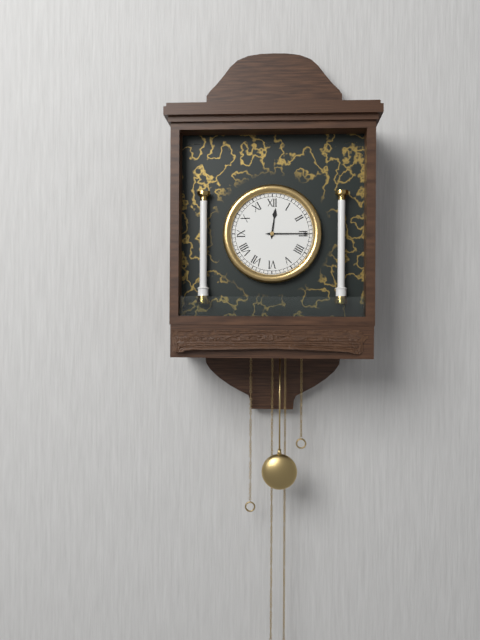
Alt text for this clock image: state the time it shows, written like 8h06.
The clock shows 12h15
